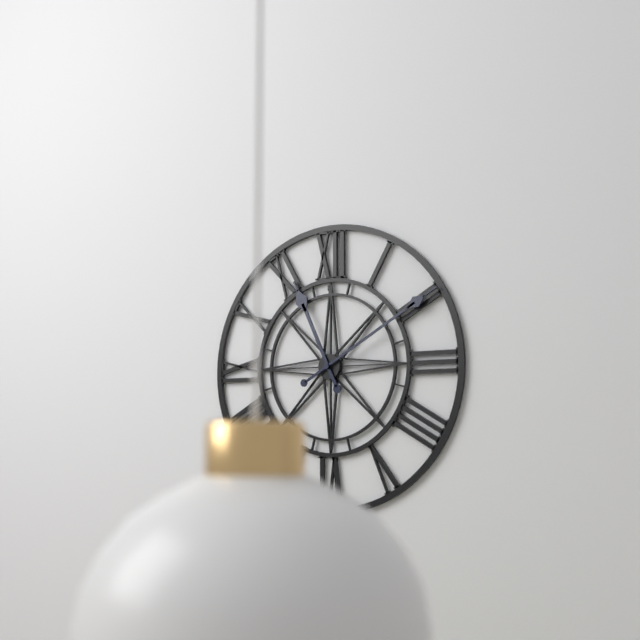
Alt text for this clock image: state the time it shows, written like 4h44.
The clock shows 11h10
